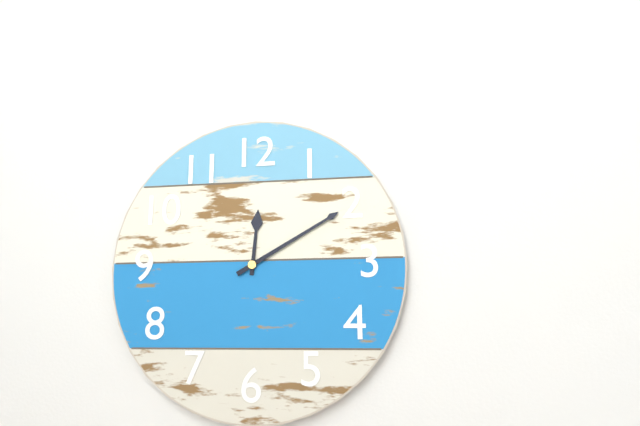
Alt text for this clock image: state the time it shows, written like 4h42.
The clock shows 12h10
